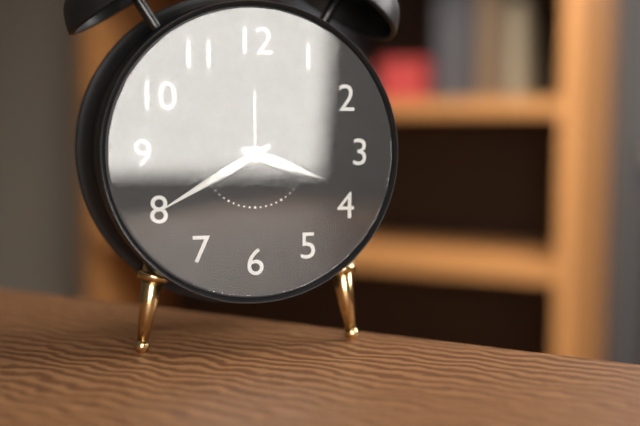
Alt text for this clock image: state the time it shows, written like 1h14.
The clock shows 3h40
